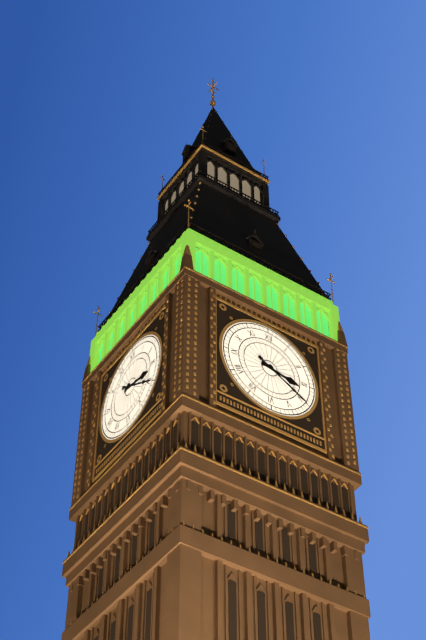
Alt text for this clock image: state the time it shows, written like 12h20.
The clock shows 3h20
